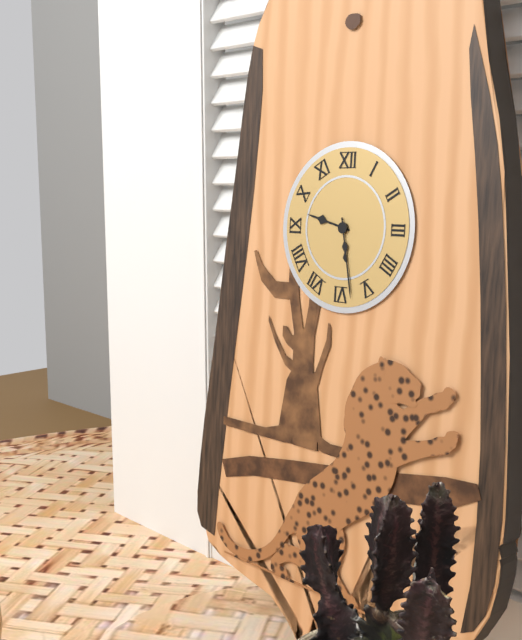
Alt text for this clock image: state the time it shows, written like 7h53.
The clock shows 9h28
